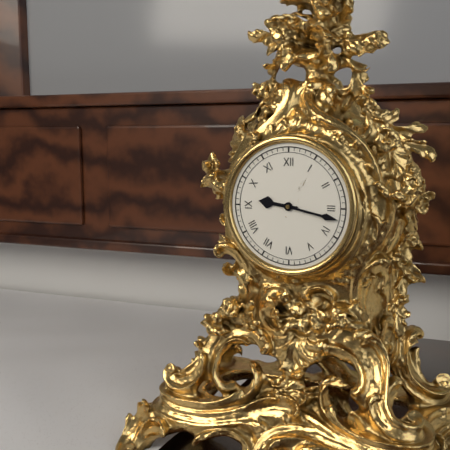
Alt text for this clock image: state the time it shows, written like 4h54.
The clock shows 9h17
